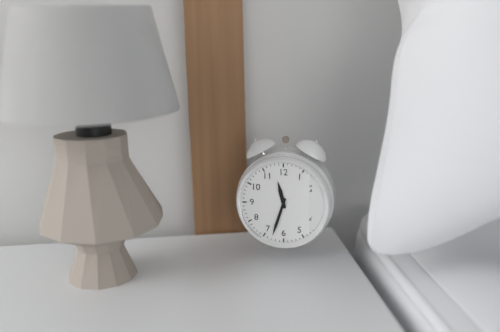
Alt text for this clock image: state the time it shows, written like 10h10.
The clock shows 11h33
